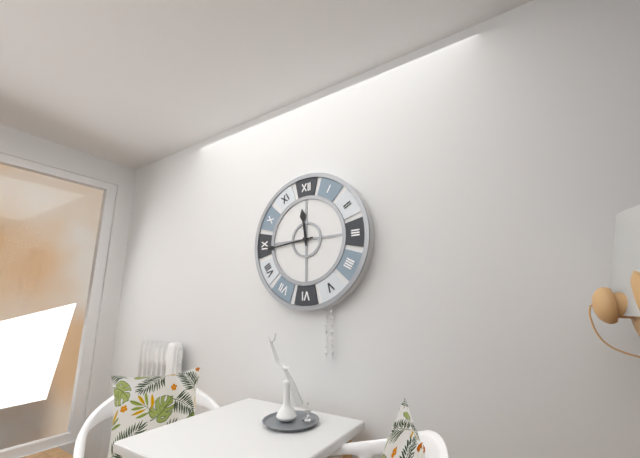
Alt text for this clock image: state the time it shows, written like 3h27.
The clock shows 11h44
